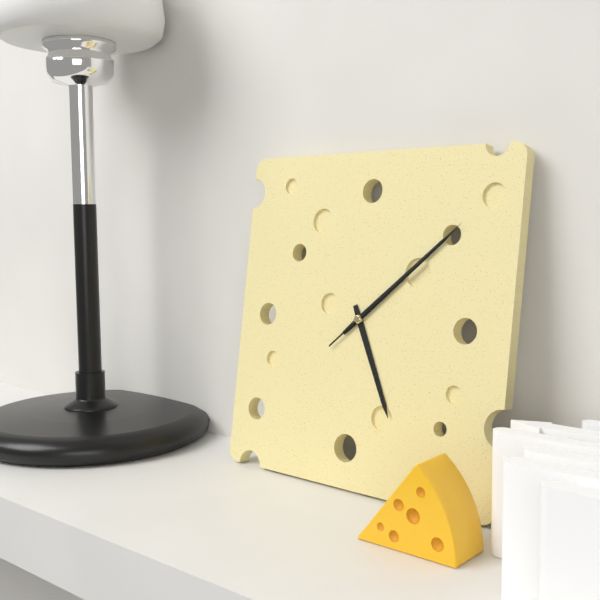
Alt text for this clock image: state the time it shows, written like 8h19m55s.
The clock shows 5h08m08s
